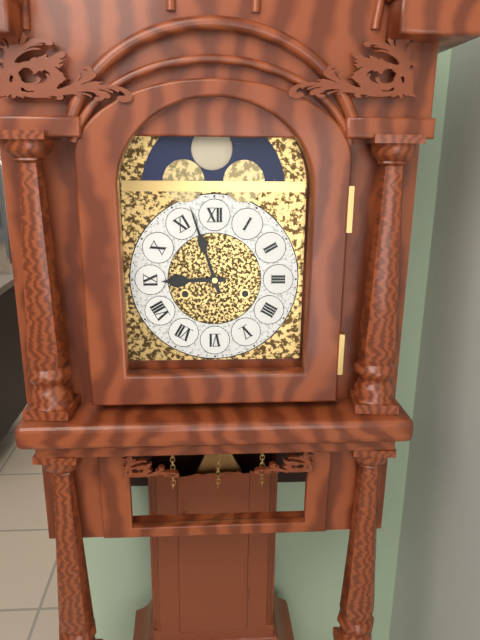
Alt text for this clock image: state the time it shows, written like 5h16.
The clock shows 8h57
